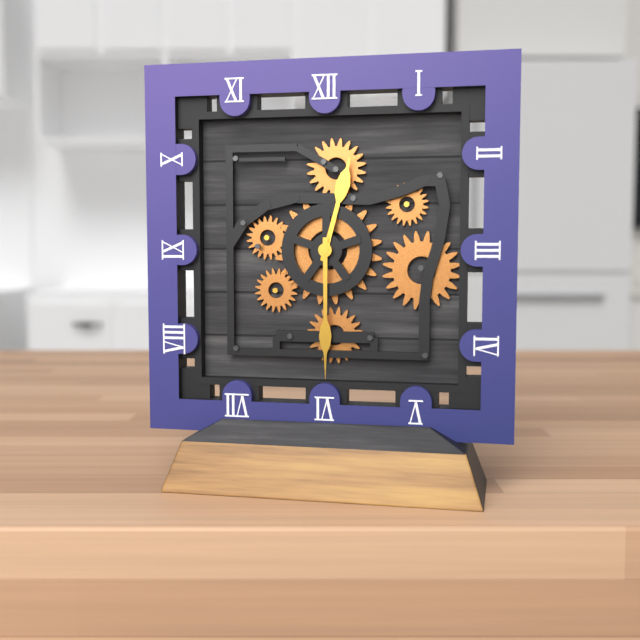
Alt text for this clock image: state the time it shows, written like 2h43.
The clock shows 12h30
